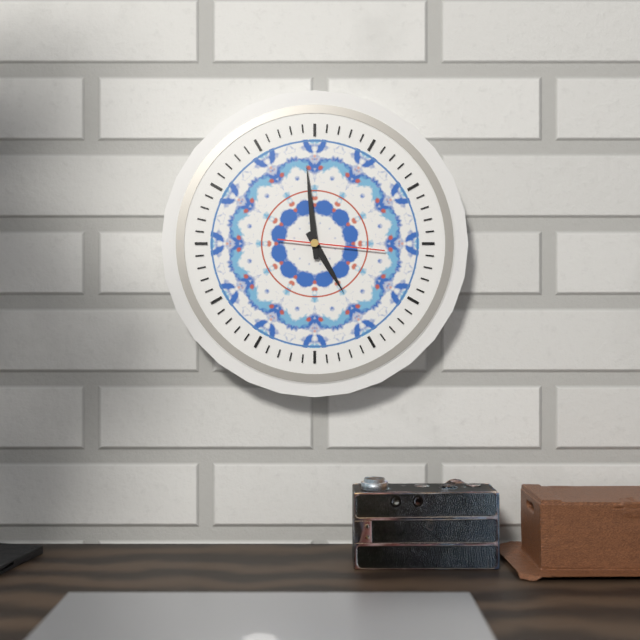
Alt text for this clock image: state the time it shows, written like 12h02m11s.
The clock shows 4h59m16s
